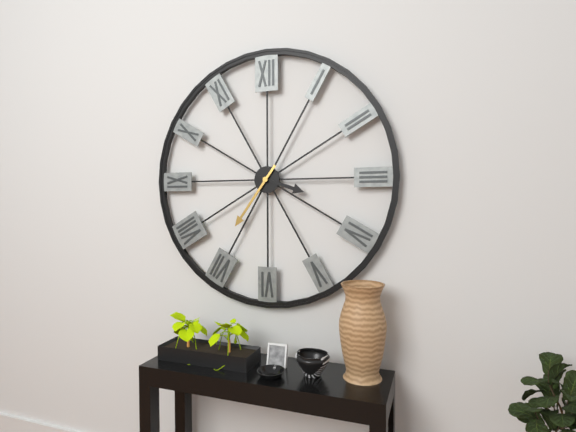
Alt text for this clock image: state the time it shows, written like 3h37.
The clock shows 3h36
